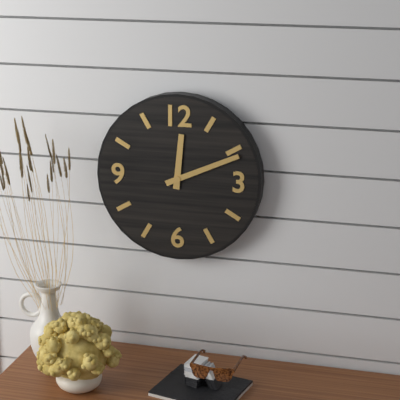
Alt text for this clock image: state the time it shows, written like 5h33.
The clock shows 12h11
